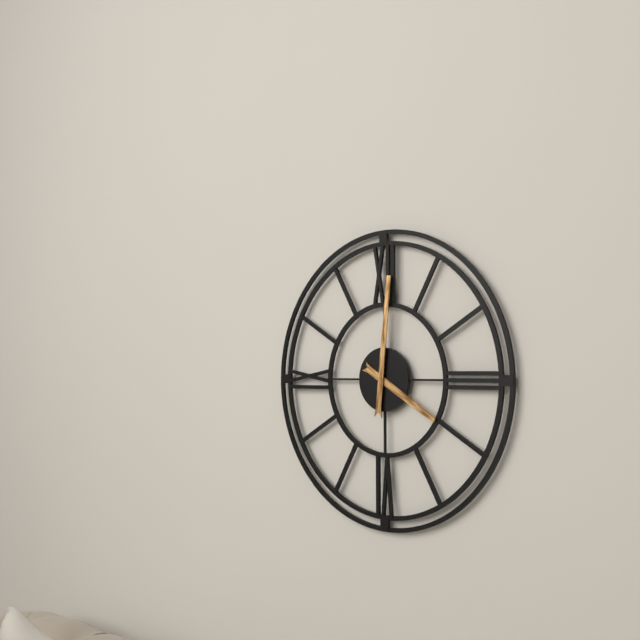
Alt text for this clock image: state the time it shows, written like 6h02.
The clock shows 4h01
